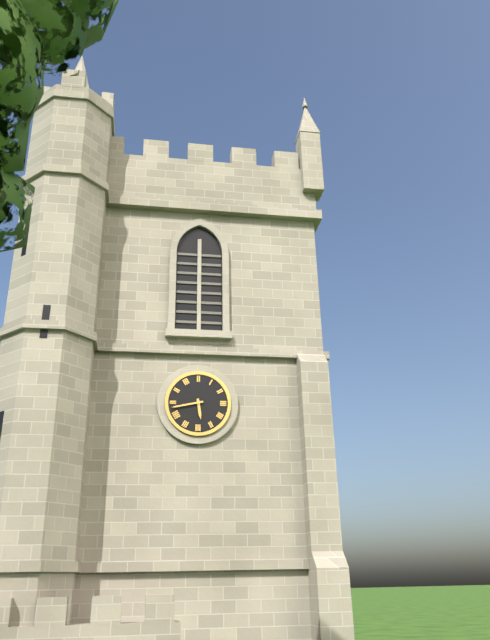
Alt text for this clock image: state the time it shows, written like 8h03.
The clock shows 5h43
